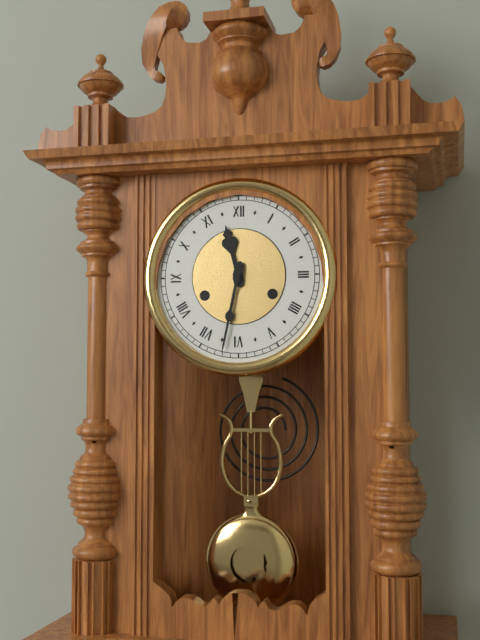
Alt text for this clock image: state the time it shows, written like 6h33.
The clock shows 11h32
